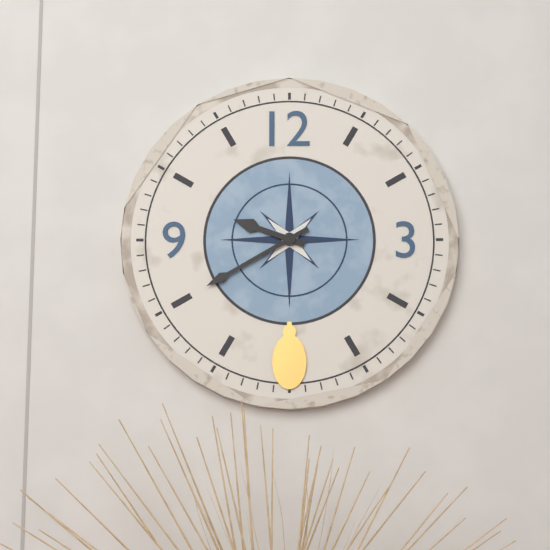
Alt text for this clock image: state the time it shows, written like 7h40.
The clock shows 9h40
